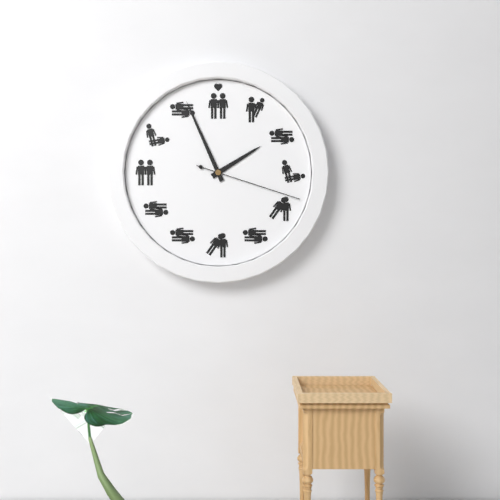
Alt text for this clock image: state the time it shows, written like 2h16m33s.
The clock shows 1h56m18s
